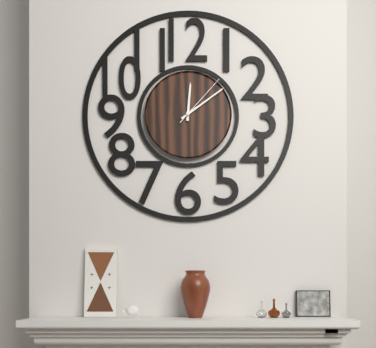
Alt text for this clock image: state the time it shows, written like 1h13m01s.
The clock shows 12h09m07s
